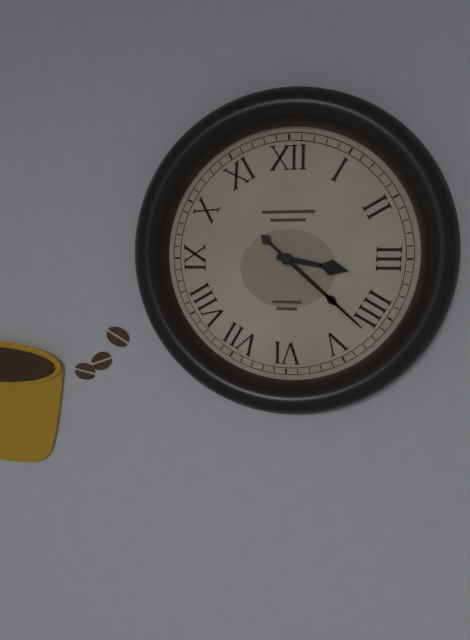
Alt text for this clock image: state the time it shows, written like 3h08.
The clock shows 3h22
